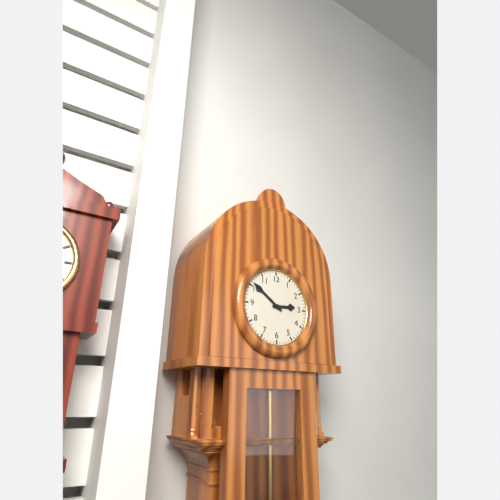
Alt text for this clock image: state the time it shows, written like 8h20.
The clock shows 2h51
